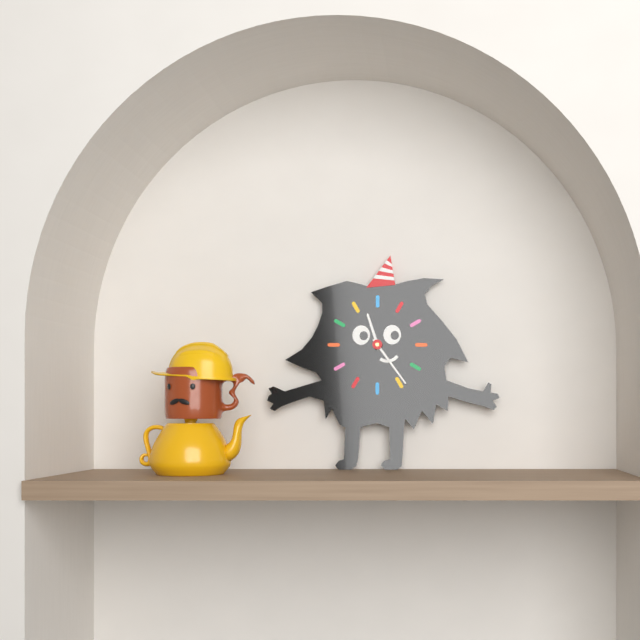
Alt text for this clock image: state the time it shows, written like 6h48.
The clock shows 11h24
